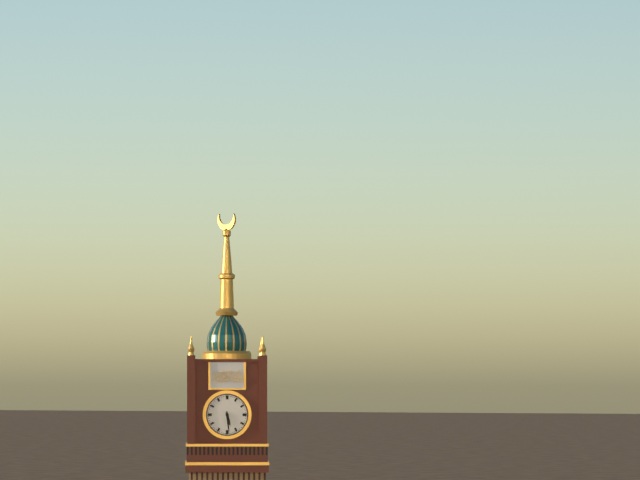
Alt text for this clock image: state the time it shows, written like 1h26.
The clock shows 5h29
